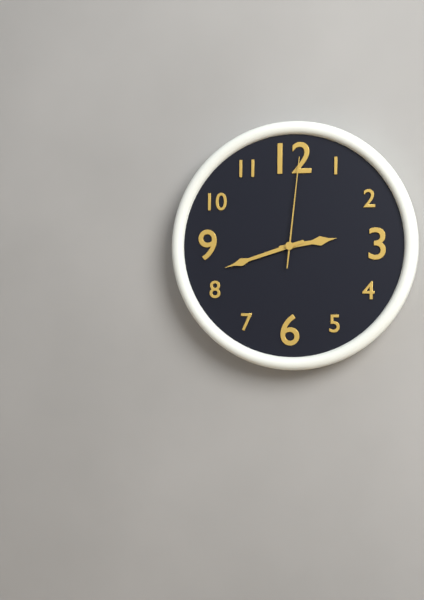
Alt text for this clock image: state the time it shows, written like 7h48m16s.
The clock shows 2h42m01s
